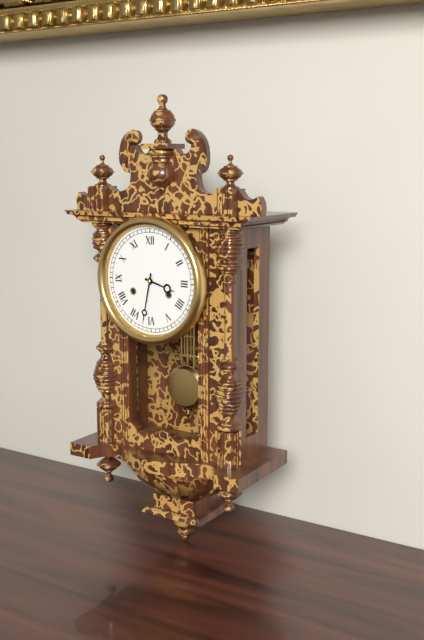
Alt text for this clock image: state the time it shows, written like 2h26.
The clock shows 3h32
